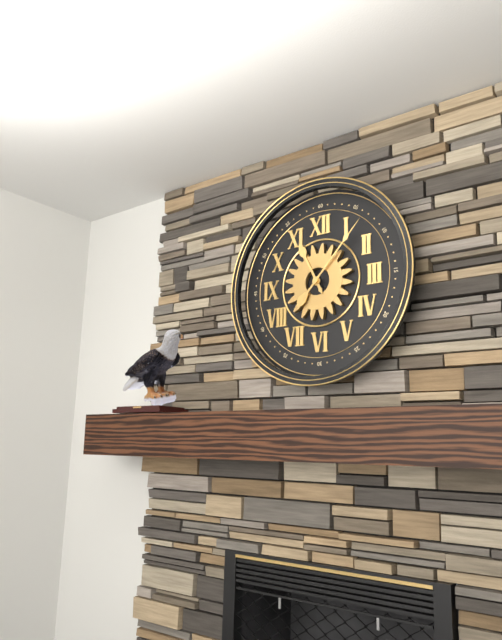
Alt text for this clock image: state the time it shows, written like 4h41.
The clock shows 11h07
